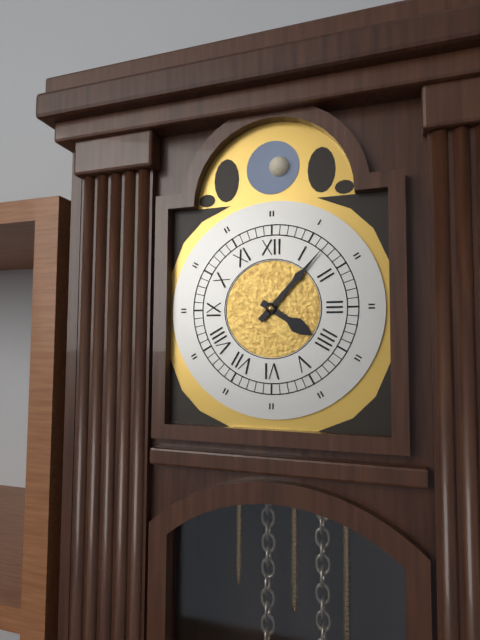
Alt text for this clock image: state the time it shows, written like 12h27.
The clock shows 4h07
